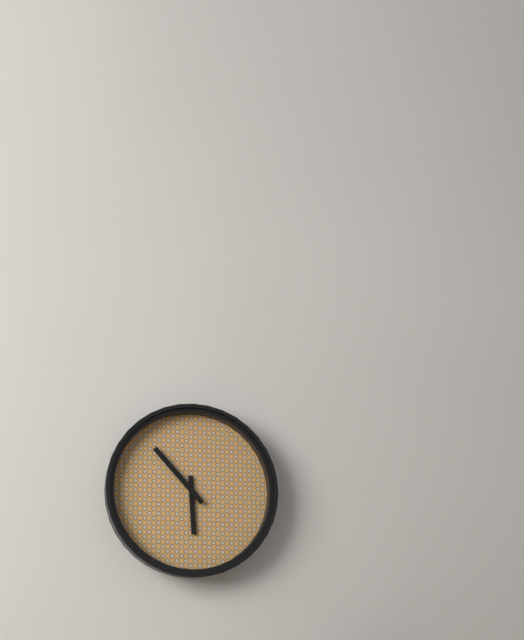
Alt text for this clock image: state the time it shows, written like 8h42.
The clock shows 5h53
